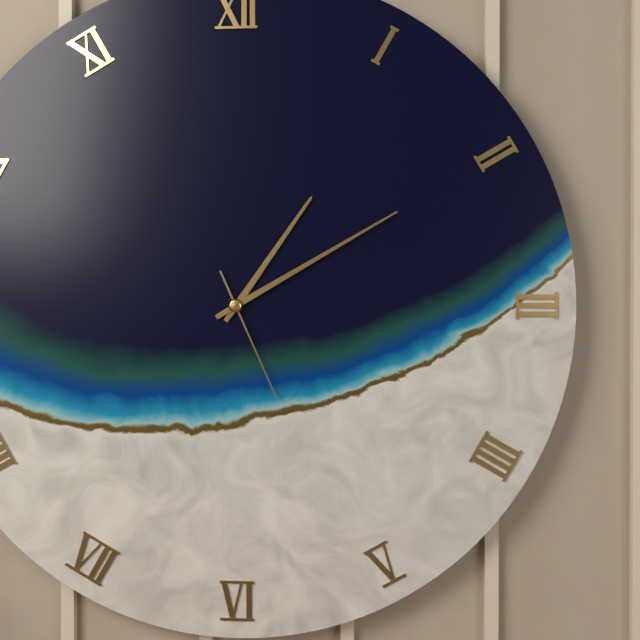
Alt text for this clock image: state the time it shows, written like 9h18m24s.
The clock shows 1h10m26s
